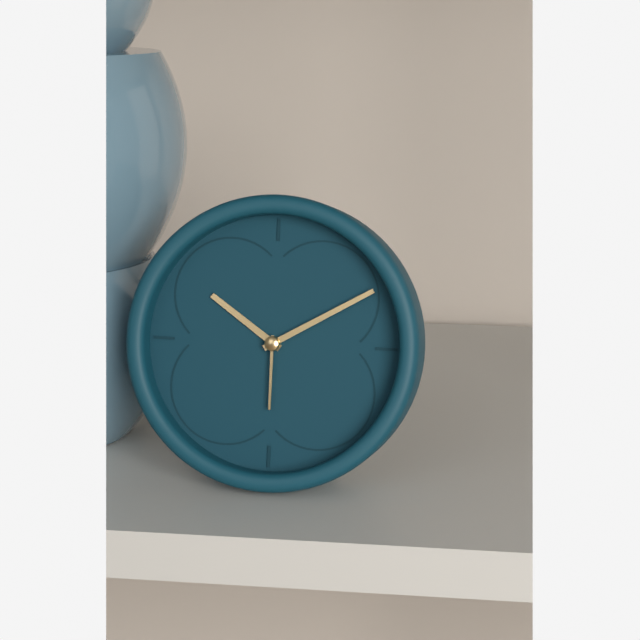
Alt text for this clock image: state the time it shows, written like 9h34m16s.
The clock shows 10h10m30s
